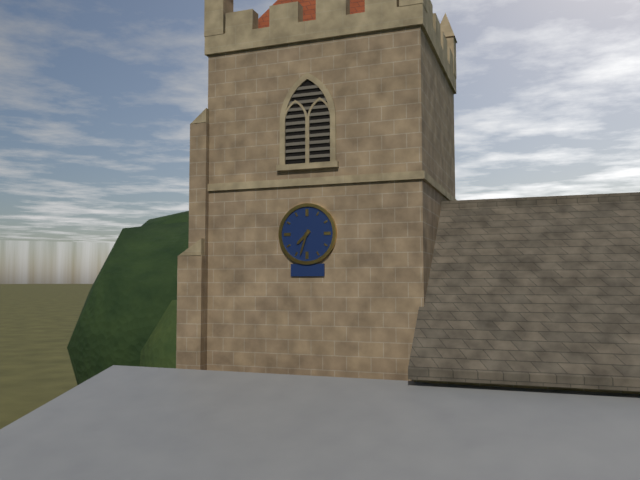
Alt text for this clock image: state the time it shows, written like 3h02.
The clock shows 7h33
